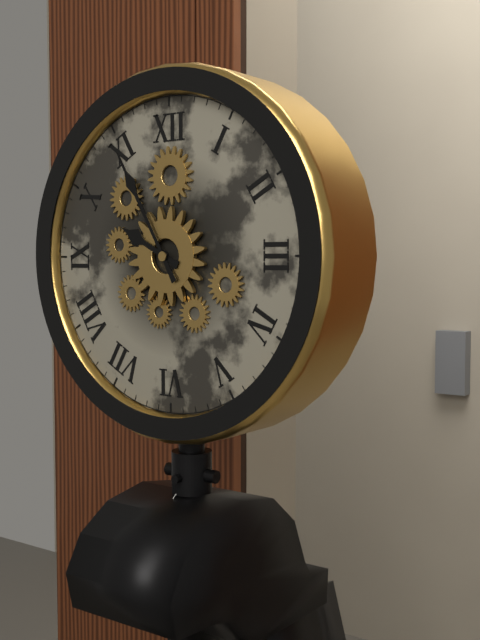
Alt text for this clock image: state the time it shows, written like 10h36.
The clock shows 9h55
